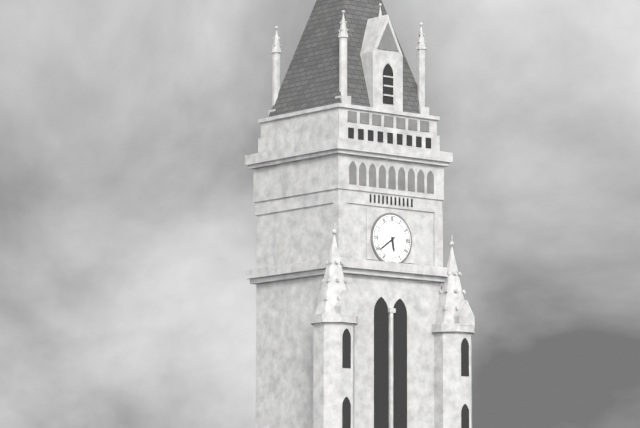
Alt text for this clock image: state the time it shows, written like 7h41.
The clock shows 5h39
